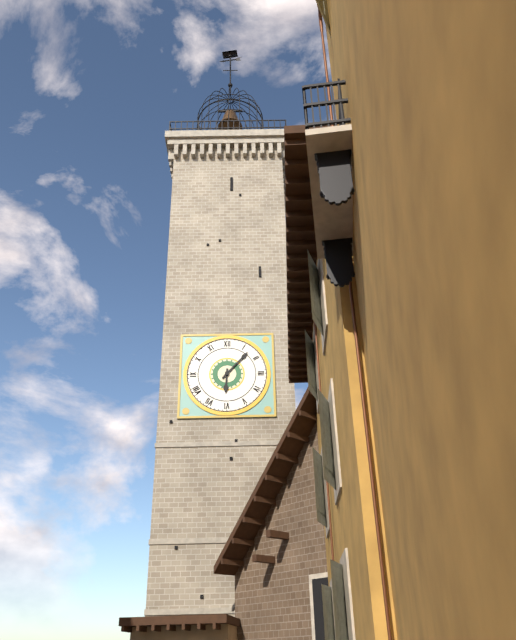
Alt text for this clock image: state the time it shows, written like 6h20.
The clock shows 6h07
